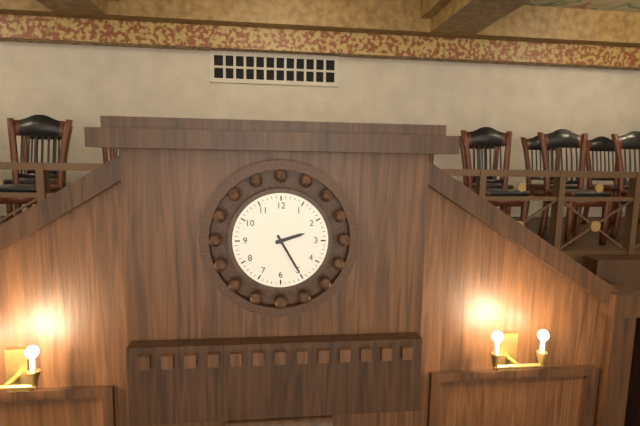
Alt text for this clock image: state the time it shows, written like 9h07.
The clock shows 2h25
